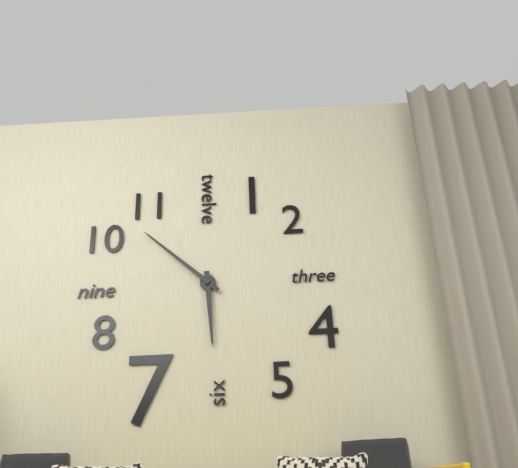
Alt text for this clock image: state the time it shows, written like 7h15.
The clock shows 5h52
